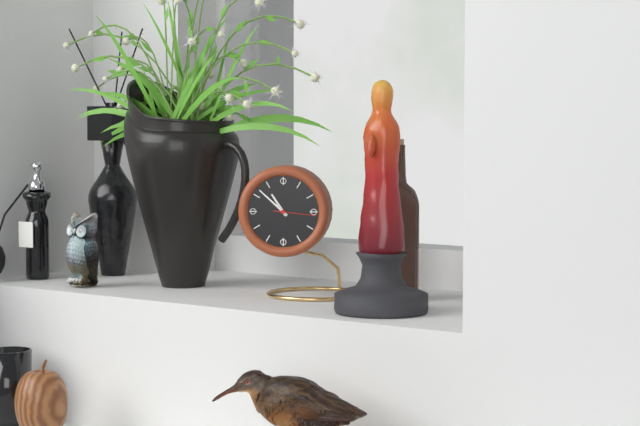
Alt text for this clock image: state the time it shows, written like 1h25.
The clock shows 10h52
